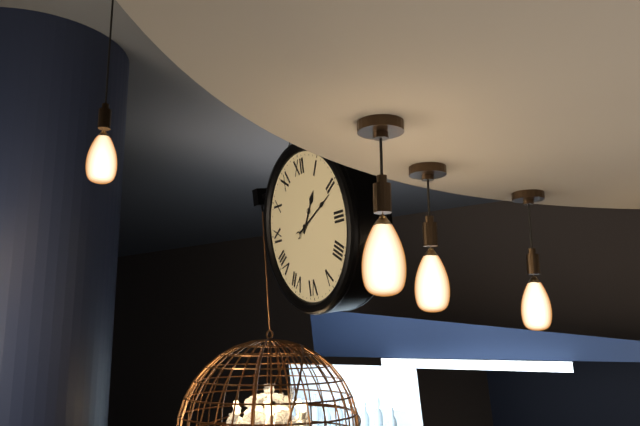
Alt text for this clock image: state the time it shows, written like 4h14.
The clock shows 1h11
